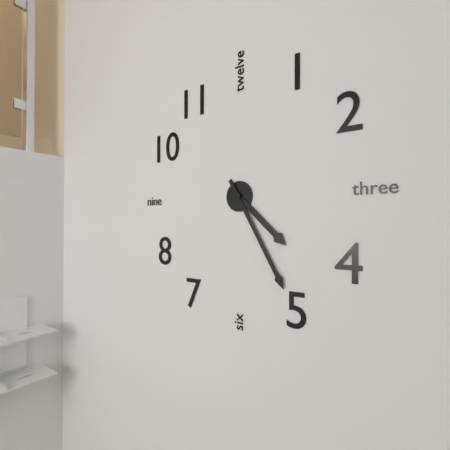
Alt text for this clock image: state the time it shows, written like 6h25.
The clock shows 4h25
